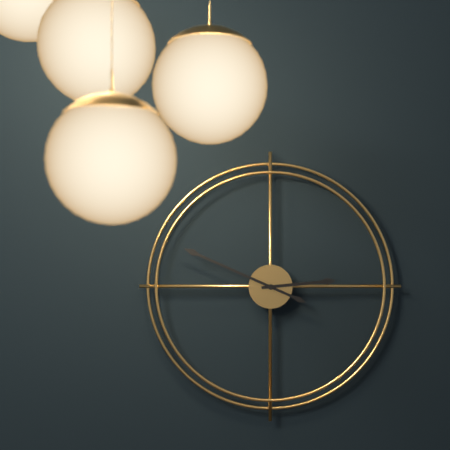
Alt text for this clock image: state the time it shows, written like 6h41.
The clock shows 2h49
